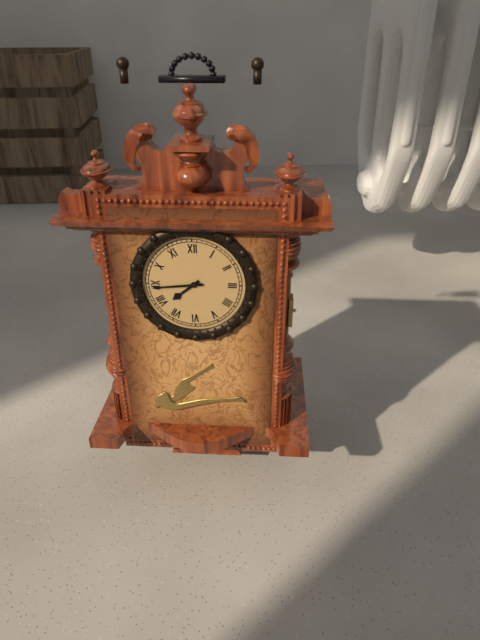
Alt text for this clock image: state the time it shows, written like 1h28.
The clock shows 7h44
